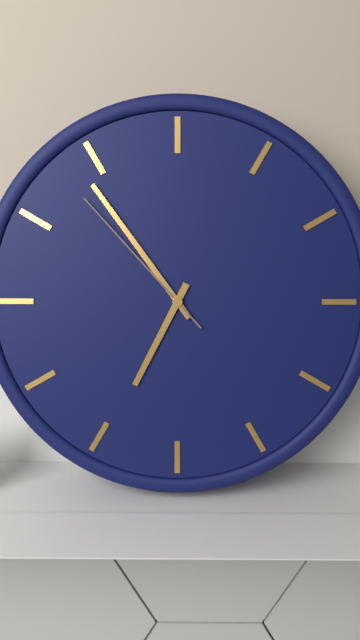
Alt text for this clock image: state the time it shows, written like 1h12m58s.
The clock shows 6h54m53s
